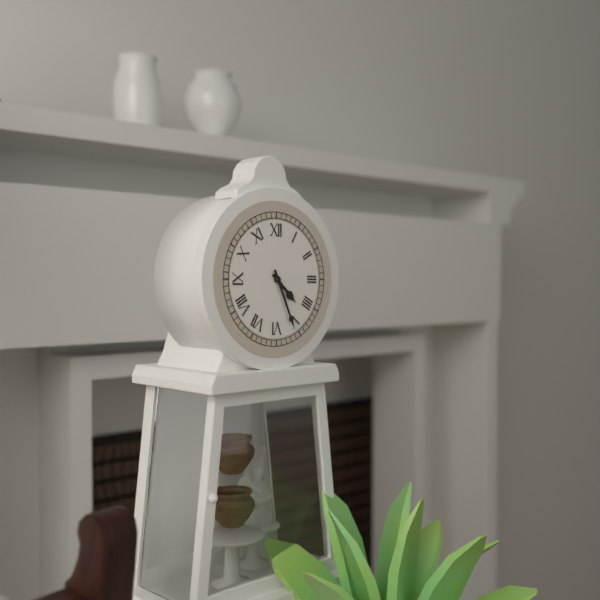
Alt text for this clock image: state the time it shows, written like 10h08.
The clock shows 4h26
